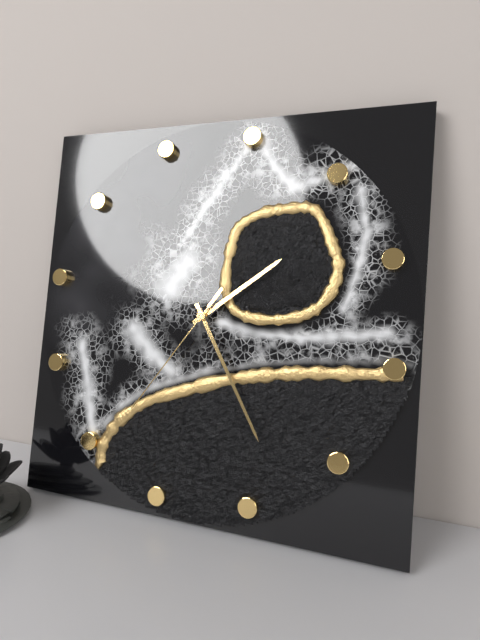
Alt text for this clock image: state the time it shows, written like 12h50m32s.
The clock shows 1h23m34s
